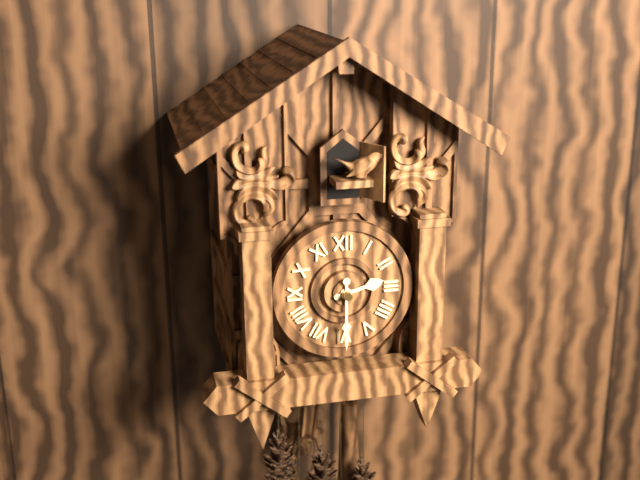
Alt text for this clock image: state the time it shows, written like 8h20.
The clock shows 2h30
